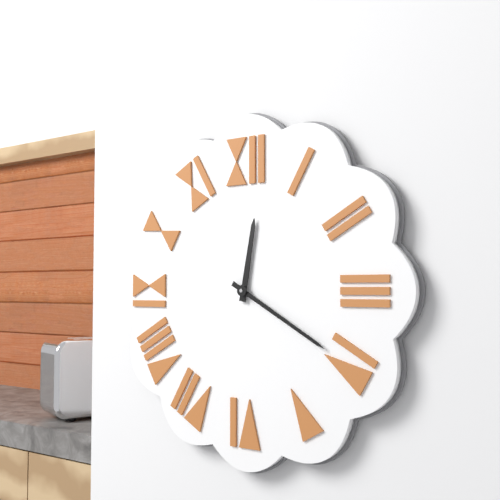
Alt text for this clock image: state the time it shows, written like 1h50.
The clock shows 12h20
